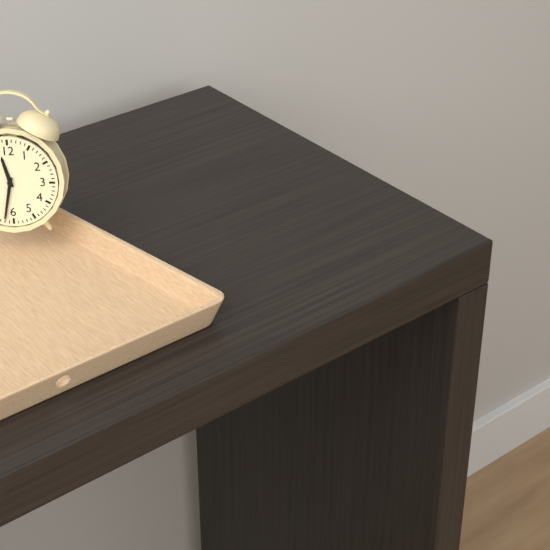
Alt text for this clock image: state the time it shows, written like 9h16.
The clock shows 11h32
